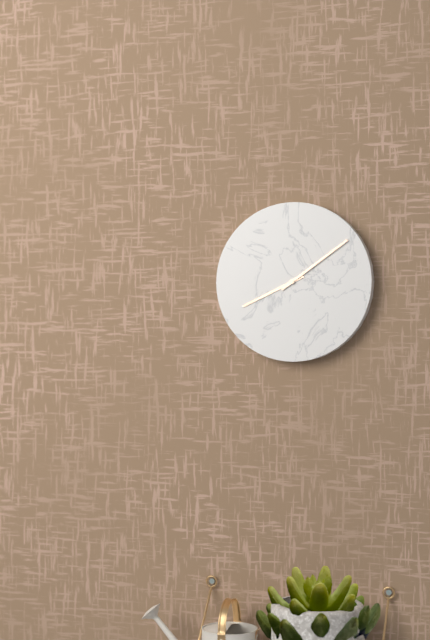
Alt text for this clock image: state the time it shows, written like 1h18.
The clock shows 8h09
